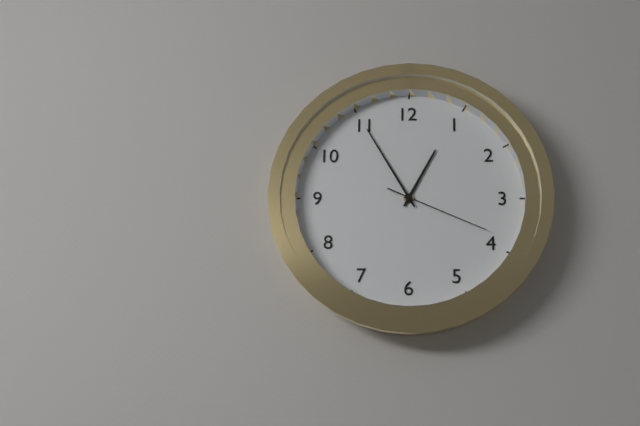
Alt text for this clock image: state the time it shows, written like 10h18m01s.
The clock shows 12h55m19s
